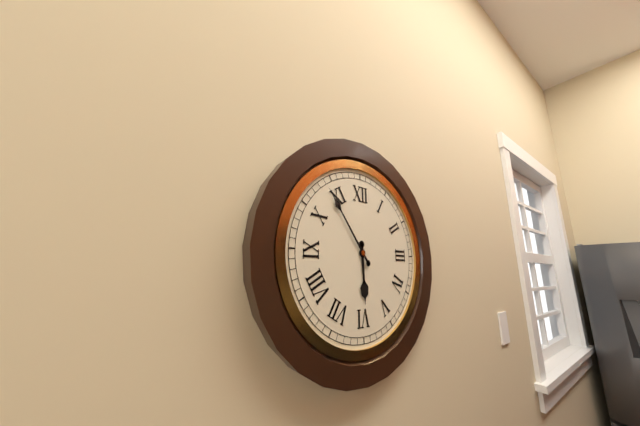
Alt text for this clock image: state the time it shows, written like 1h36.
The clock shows 5h54
